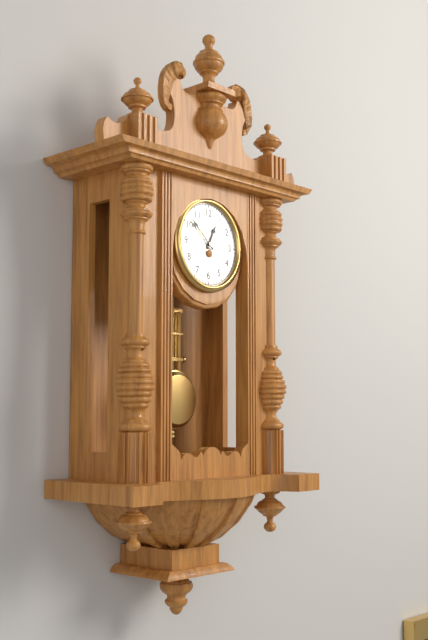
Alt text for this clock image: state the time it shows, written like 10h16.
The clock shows 12h52
